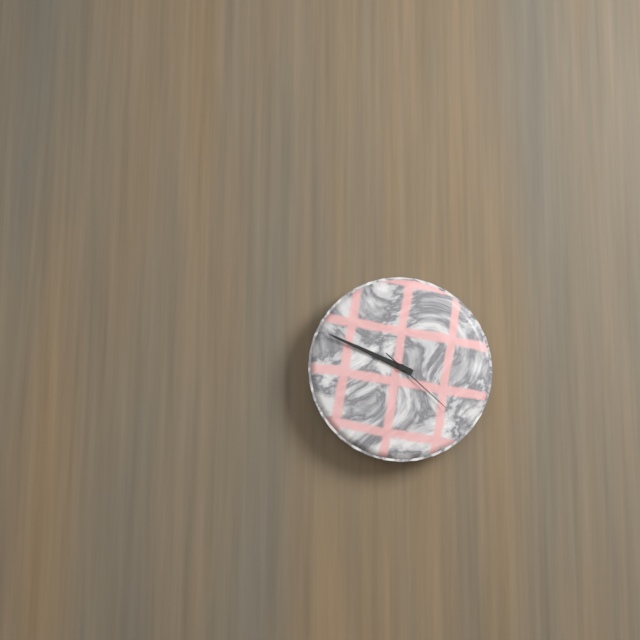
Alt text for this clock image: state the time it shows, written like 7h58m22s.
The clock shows 9h49m22s
